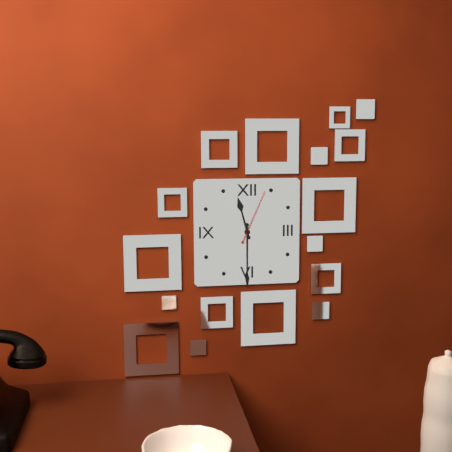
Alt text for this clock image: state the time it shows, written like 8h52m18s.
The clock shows 11h30m04s
